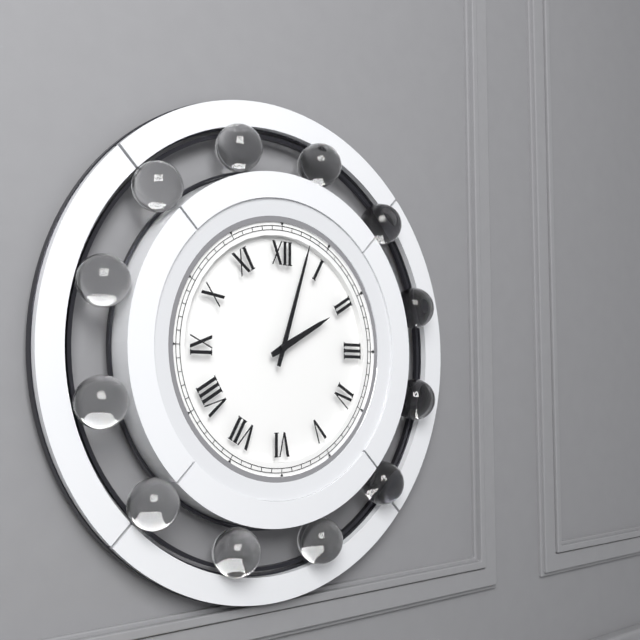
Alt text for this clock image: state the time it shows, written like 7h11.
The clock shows 2h03
